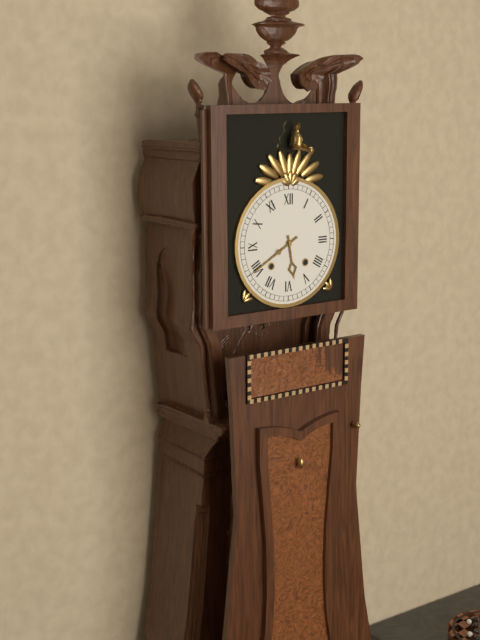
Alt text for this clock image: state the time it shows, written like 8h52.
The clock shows 5h40
